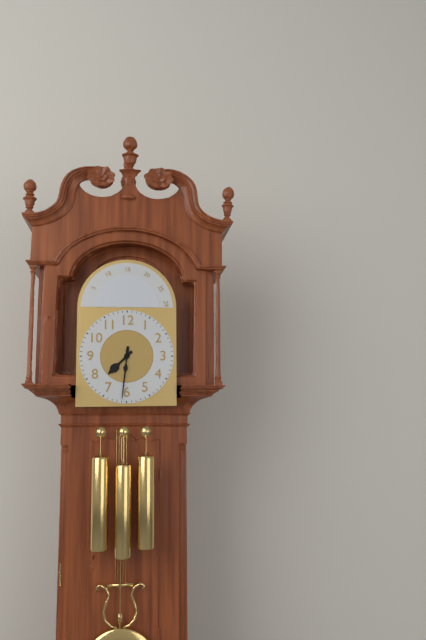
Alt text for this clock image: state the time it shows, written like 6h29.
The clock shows 7h31
